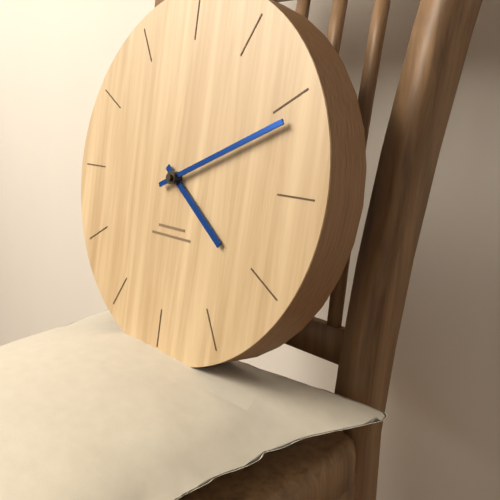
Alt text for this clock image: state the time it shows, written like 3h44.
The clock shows 4h11
